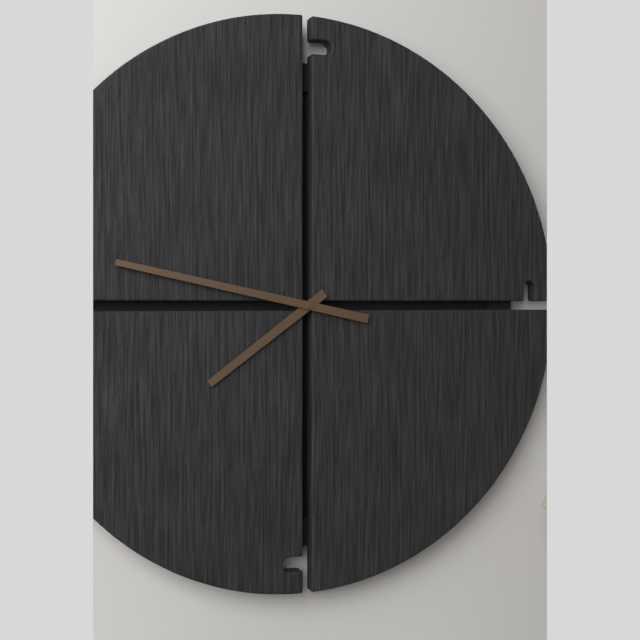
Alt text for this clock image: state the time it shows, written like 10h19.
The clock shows 7h47
